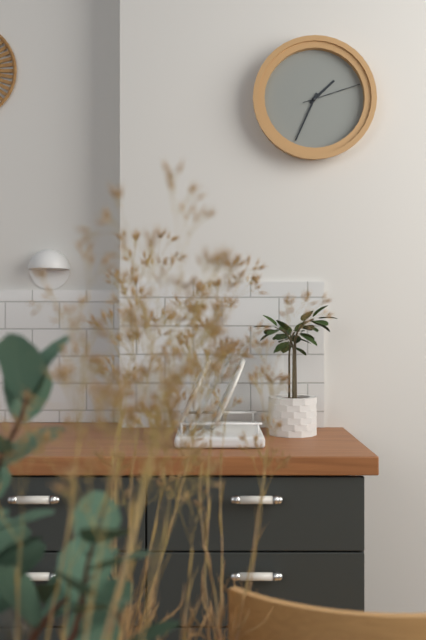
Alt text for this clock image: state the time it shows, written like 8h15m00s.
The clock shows 1h34m12s
